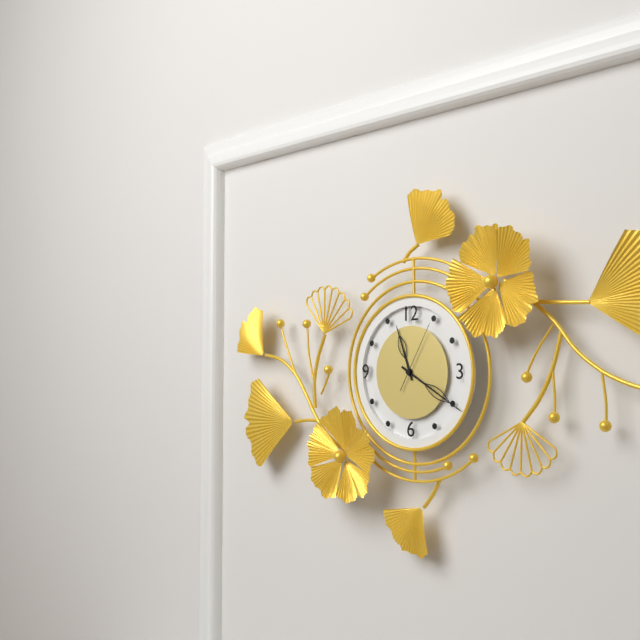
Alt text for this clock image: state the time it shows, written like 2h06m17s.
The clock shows 11h20m05s
